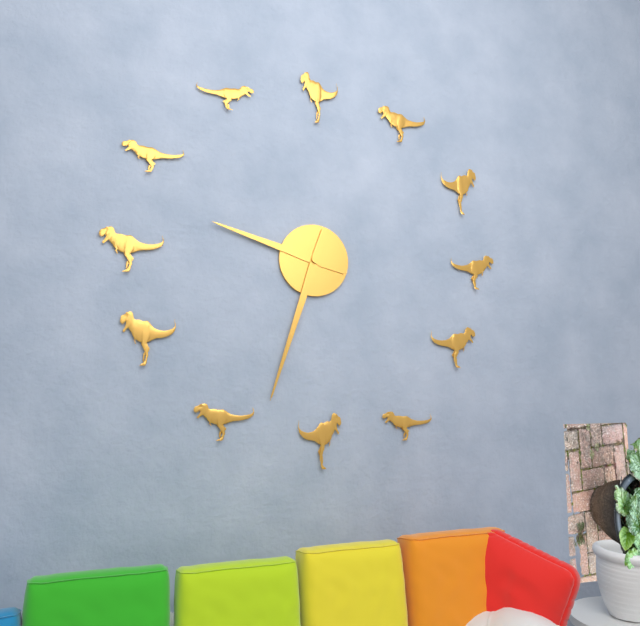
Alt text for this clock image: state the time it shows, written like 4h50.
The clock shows 9h33
